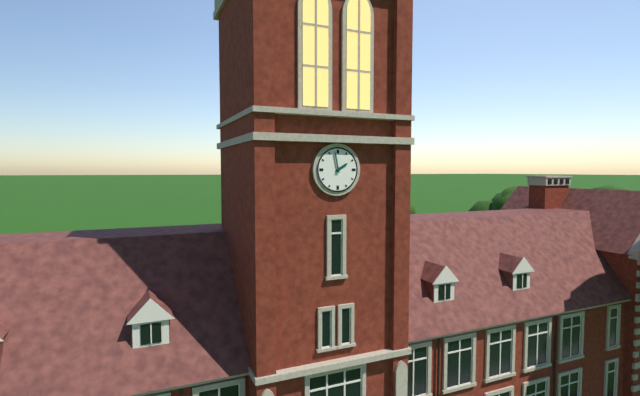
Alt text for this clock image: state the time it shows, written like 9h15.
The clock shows 1h58
